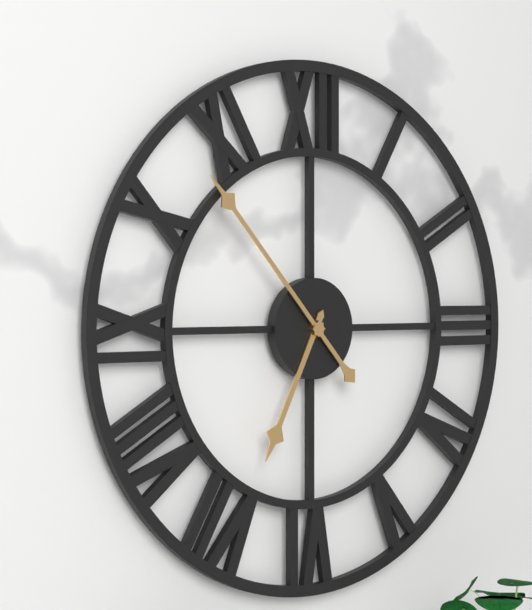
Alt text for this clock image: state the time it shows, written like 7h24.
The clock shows 6h53
